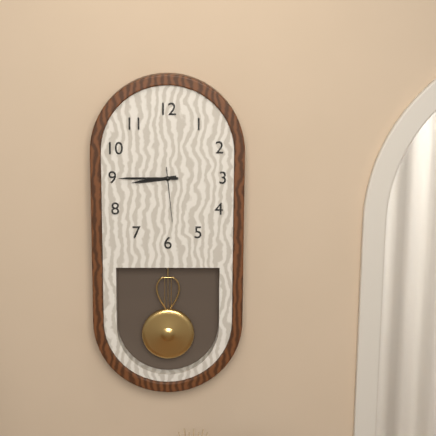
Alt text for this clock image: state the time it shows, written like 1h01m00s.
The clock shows 8h45m29s
